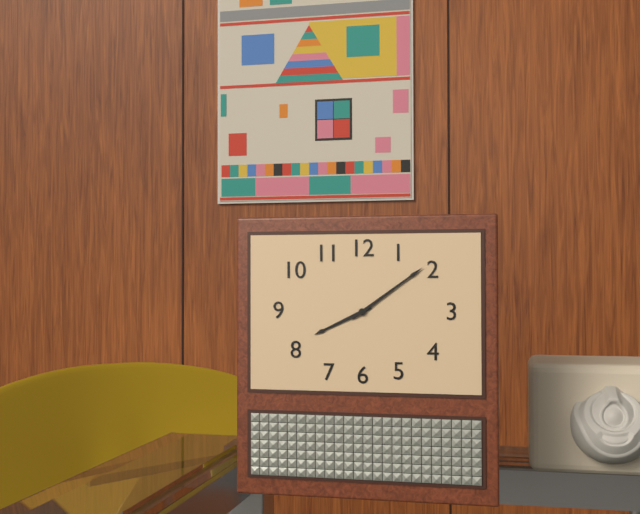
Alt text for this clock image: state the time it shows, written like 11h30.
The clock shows 8h09
